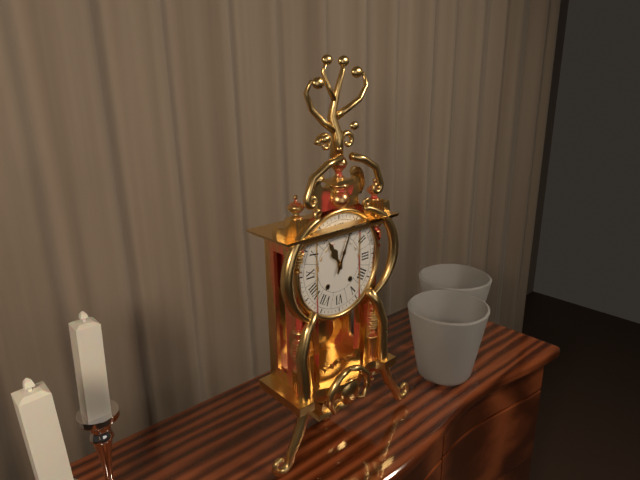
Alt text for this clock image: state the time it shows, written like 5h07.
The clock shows 11h04
